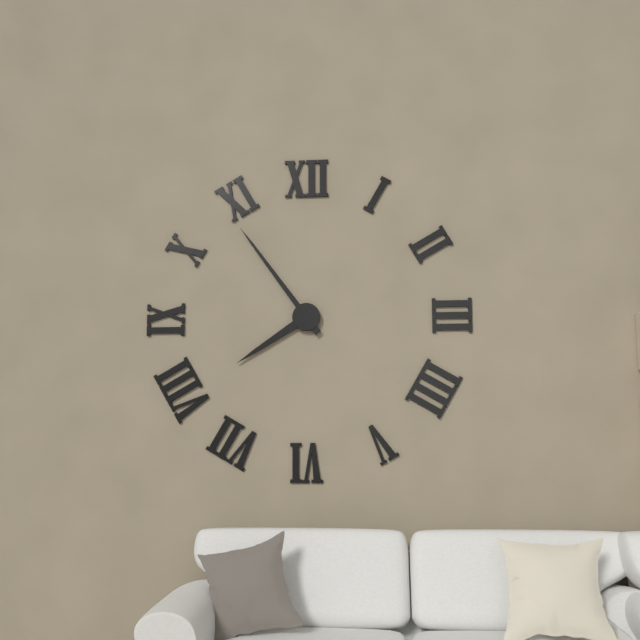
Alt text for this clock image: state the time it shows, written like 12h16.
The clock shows 7h54
